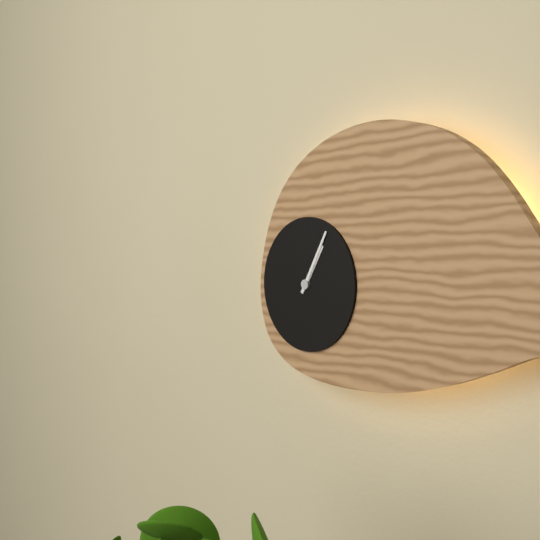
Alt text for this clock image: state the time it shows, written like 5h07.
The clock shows 1h05
